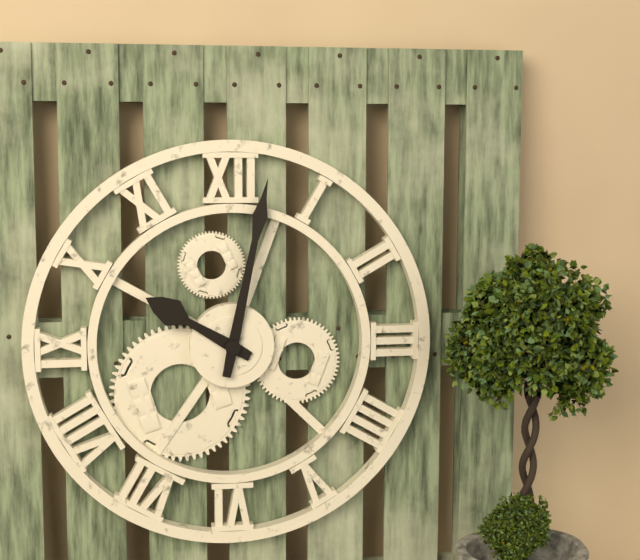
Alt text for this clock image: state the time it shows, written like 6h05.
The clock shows 10h02
